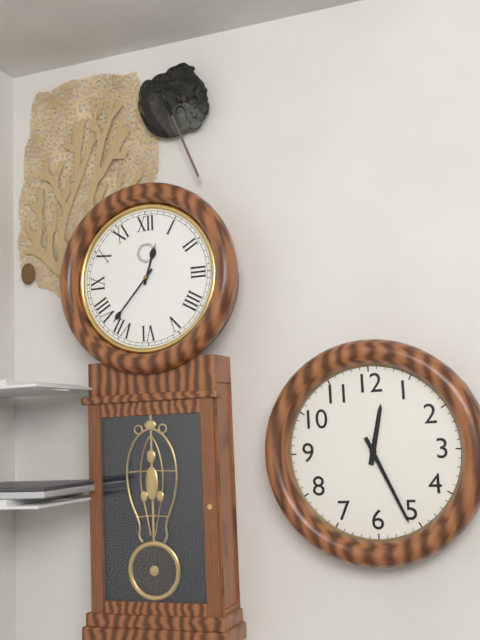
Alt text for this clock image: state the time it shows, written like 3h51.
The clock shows 12h37
